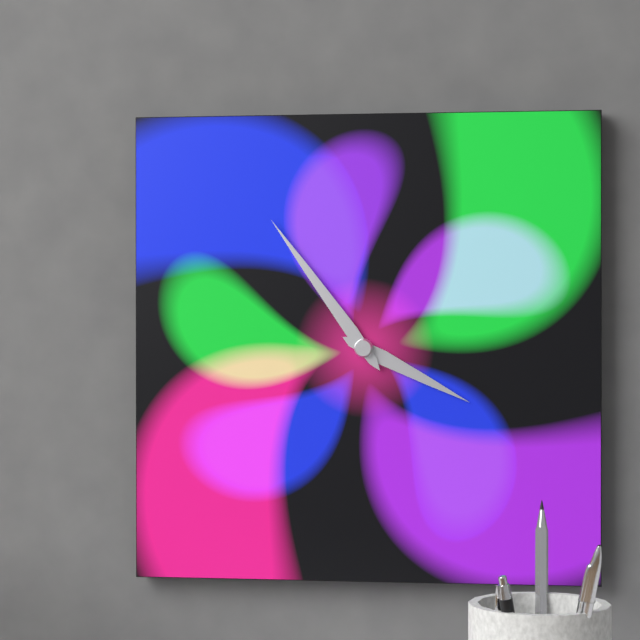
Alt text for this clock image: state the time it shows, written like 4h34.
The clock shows 3h54
